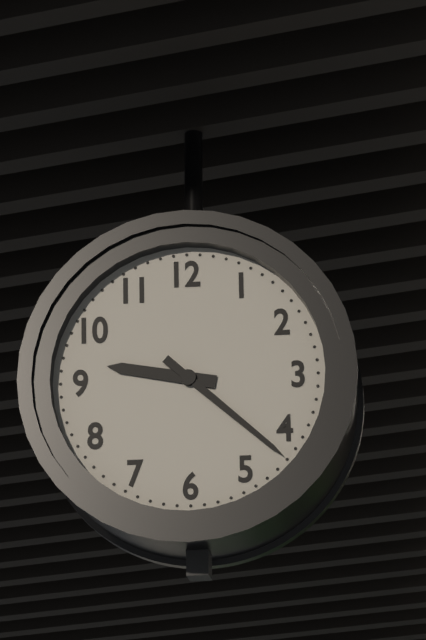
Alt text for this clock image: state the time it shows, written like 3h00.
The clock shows 9h22
